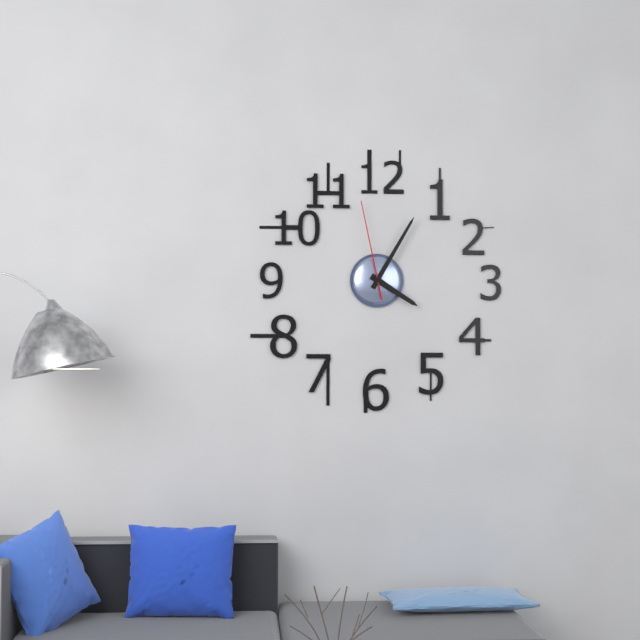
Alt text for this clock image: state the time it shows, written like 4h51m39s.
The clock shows 4h05m58s
